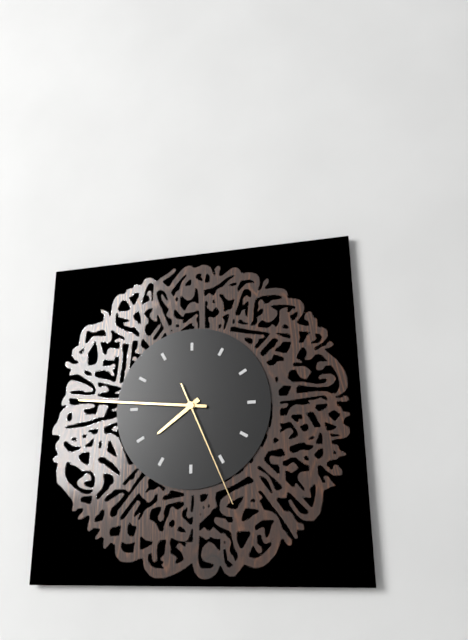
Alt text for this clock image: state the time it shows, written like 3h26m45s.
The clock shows 7h46m26s
